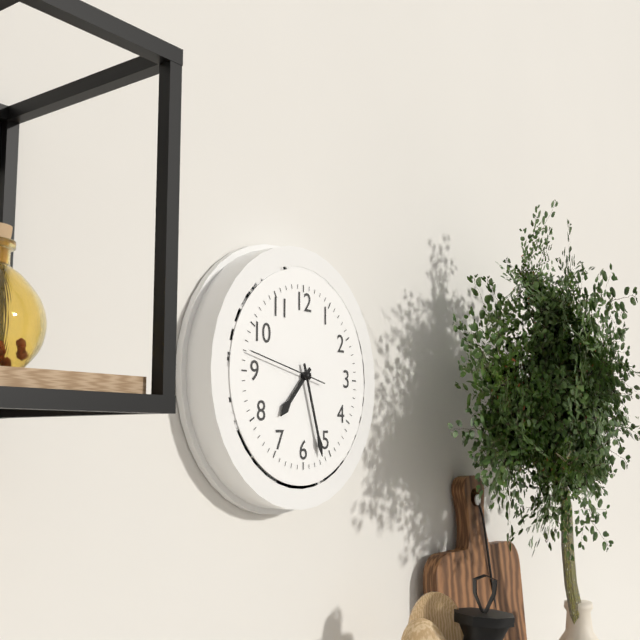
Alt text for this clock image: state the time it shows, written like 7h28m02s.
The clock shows 7h27m47s
